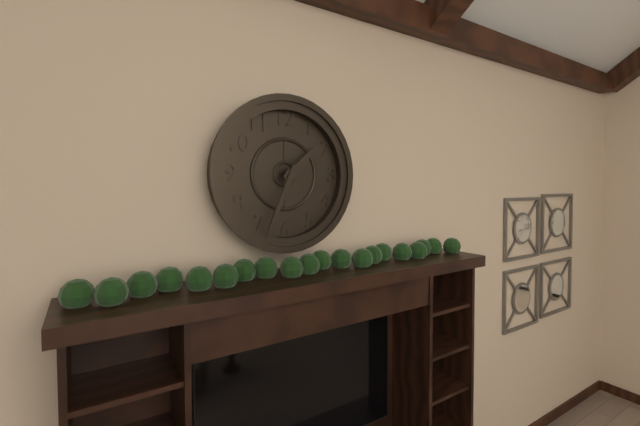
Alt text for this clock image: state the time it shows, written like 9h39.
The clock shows 1h34
